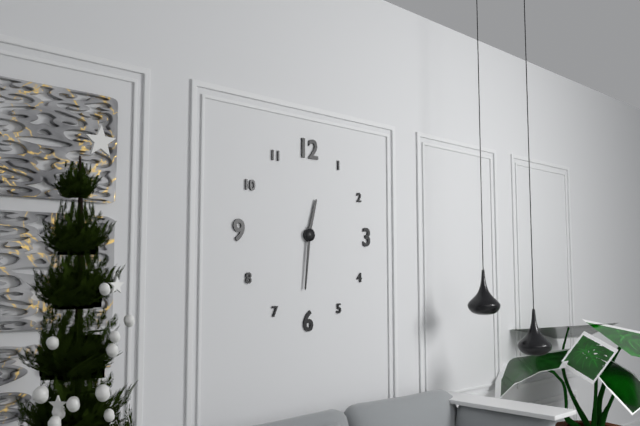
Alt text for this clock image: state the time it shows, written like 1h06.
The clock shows 12h31
